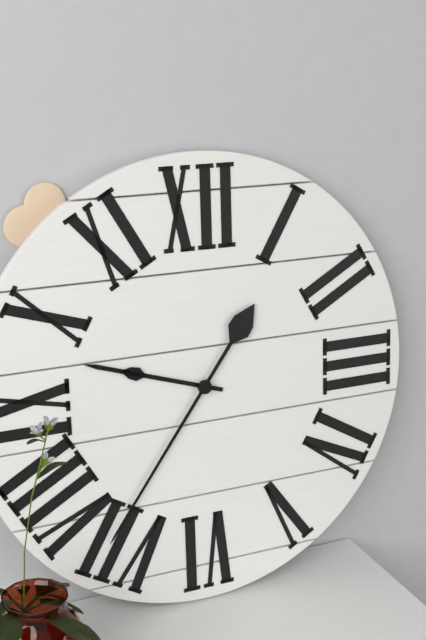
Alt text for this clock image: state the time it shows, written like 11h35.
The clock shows 9h36
